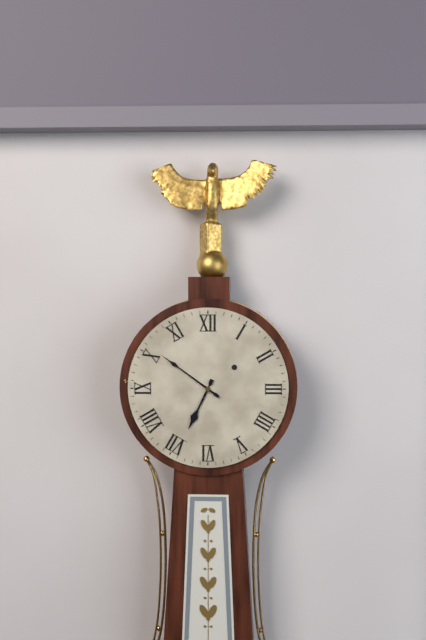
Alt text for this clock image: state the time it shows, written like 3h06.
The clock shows 6h51
